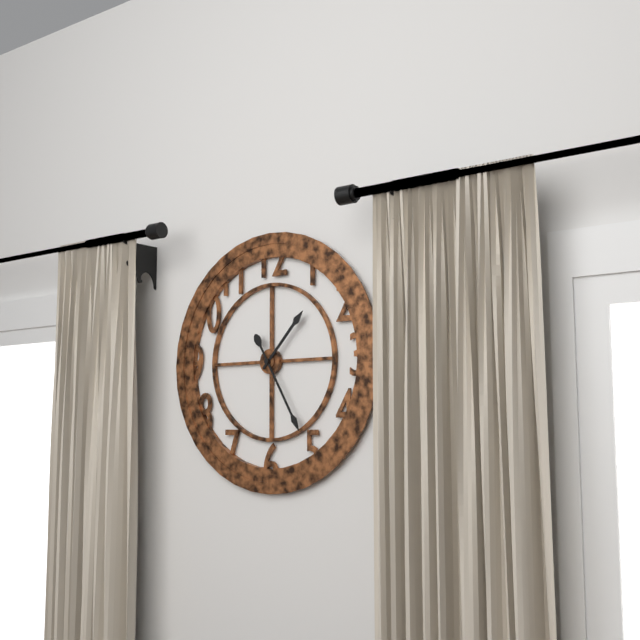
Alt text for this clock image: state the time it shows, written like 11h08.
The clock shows 1h25
